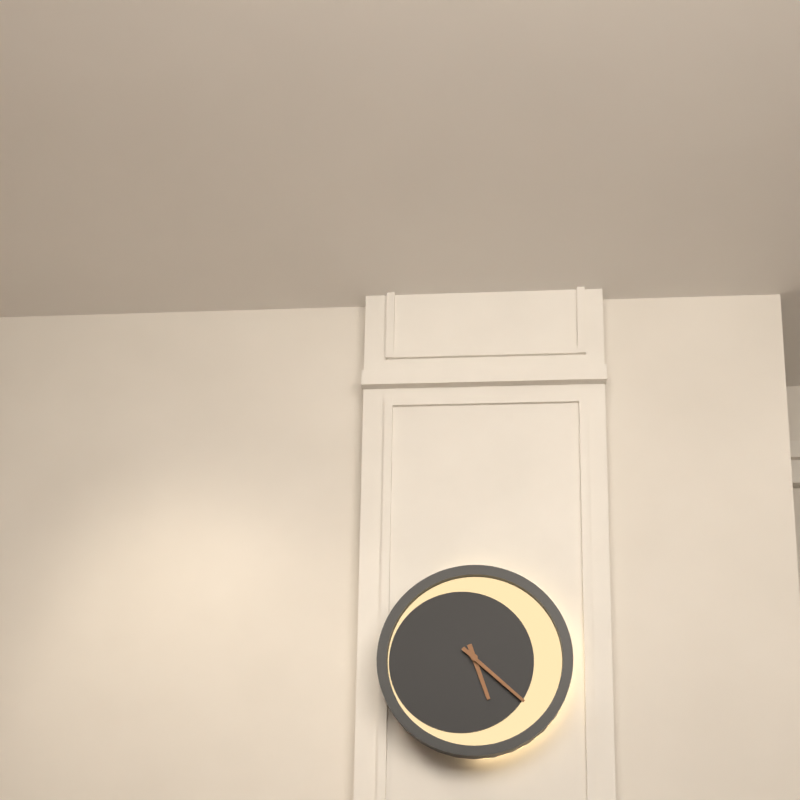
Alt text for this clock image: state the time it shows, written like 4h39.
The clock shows 5h22
